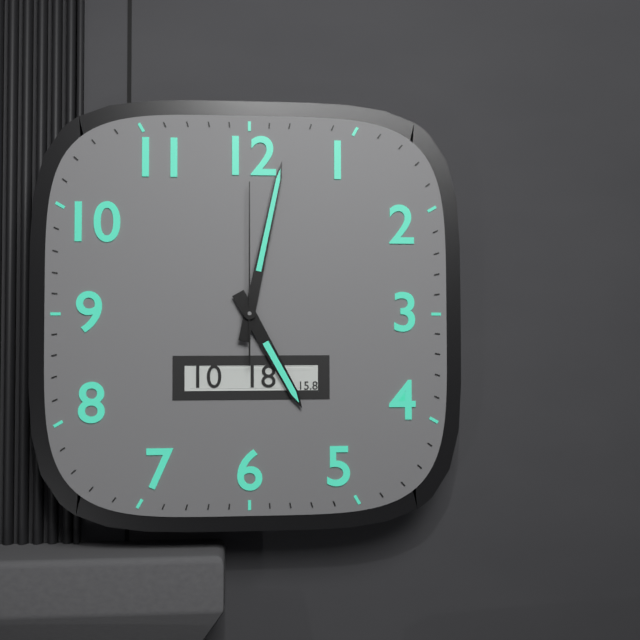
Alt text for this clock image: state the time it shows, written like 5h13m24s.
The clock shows 5h02m00s
